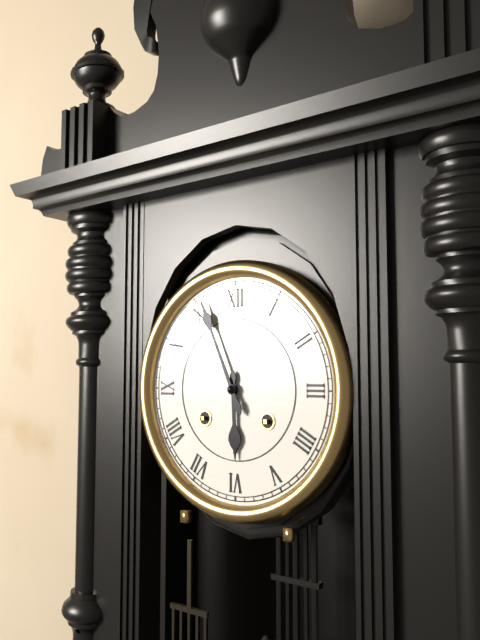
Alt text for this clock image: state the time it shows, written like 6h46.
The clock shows 5h56
